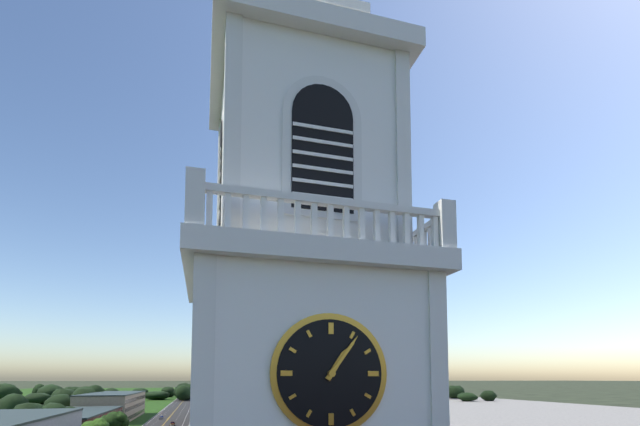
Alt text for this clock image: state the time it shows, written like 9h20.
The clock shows 1h06
